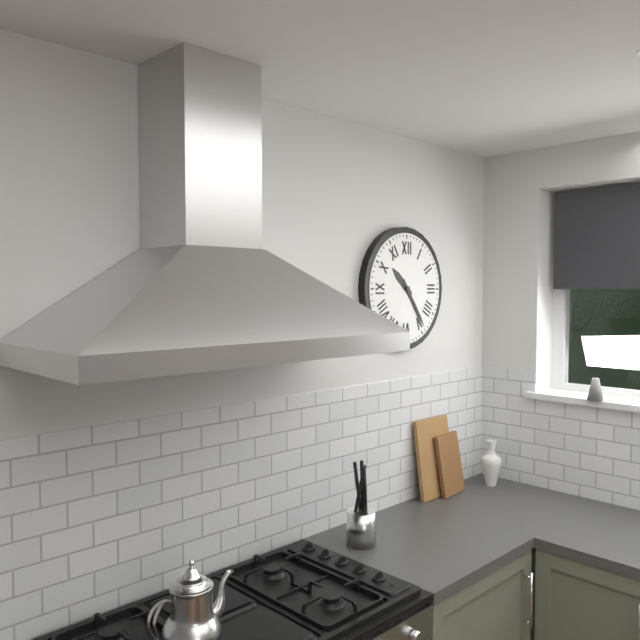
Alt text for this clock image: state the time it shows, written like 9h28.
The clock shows 10h24
